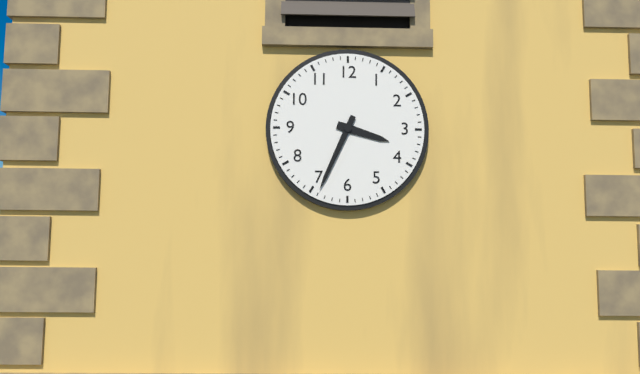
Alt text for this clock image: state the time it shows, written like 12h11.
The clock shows 3h34
